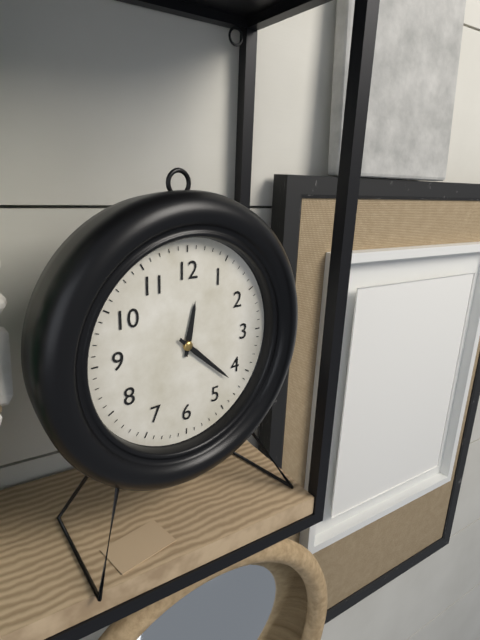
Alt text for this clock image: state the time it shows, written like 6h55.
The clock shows 12h22
